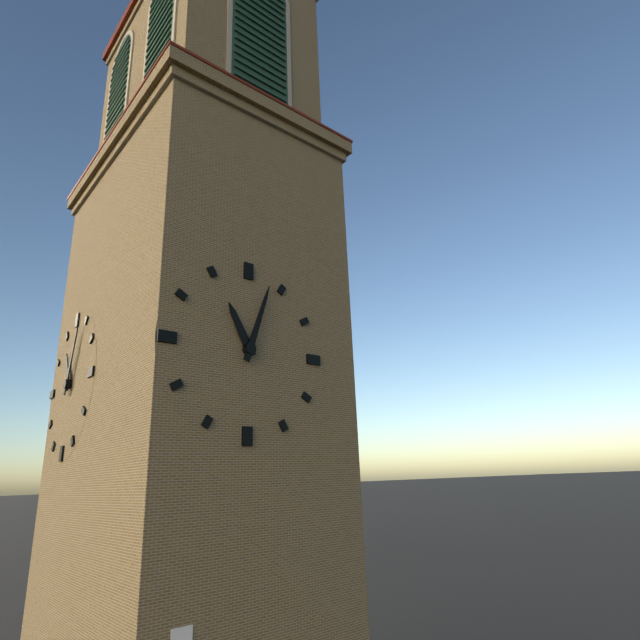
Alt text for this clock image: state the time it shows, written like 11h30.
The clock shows 11h03
